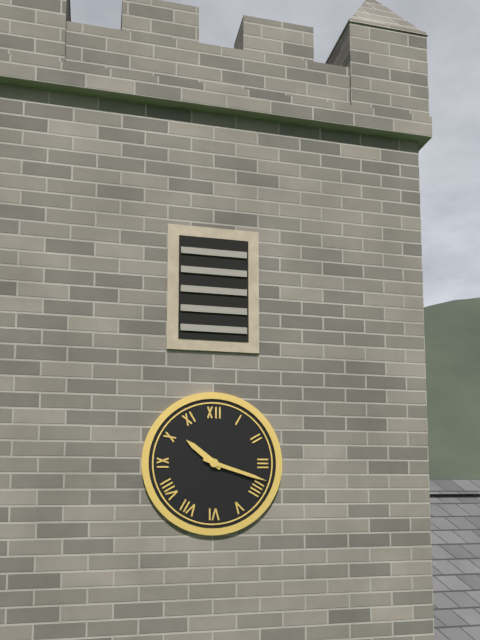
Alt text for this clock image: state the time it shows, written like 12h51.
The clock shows 10h18
